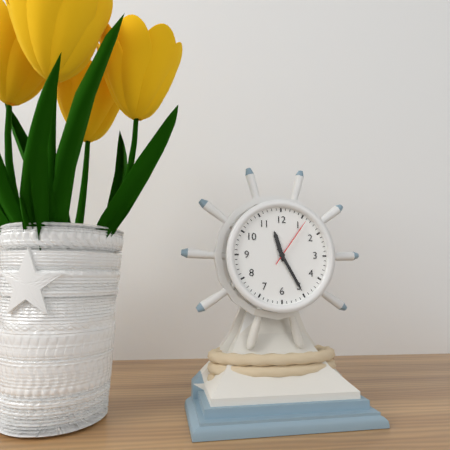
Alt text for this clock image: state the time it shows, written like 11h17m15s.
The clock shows 11h25m06s
